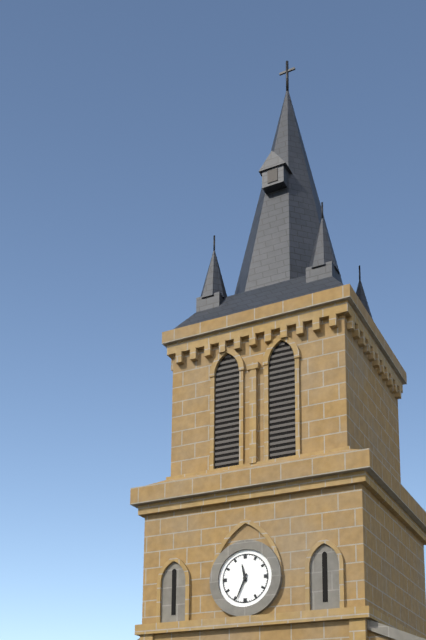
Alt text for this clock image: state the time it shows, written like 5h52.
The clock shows 11h34
